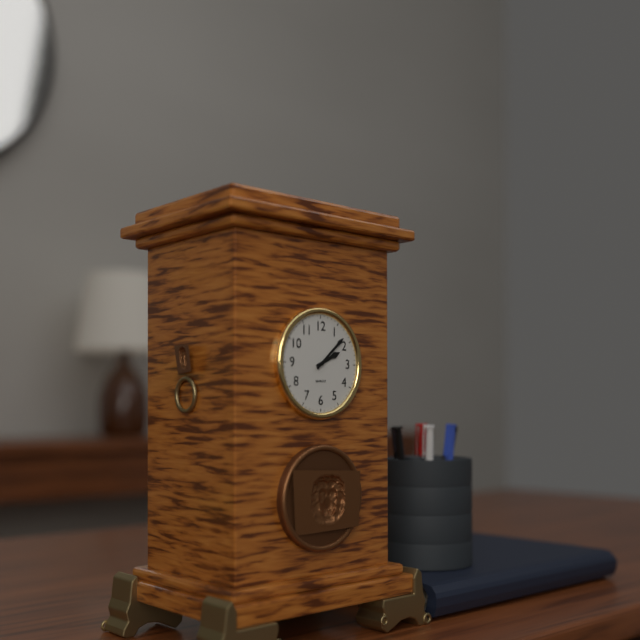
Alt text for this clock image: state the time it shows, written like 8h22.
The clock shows 2h08
